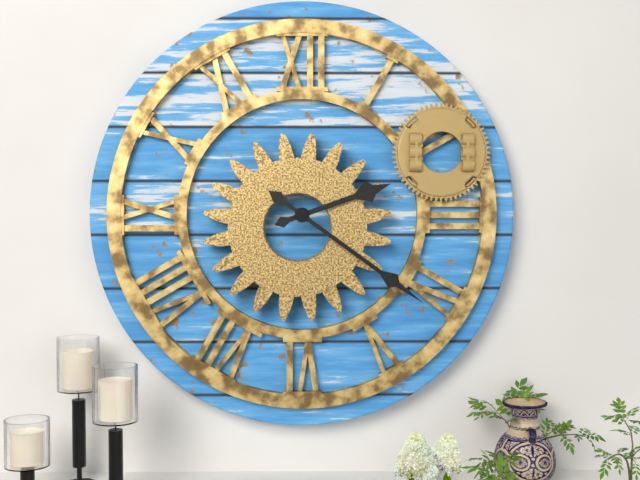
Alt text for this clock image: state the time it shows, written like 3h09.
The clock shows 2h21
